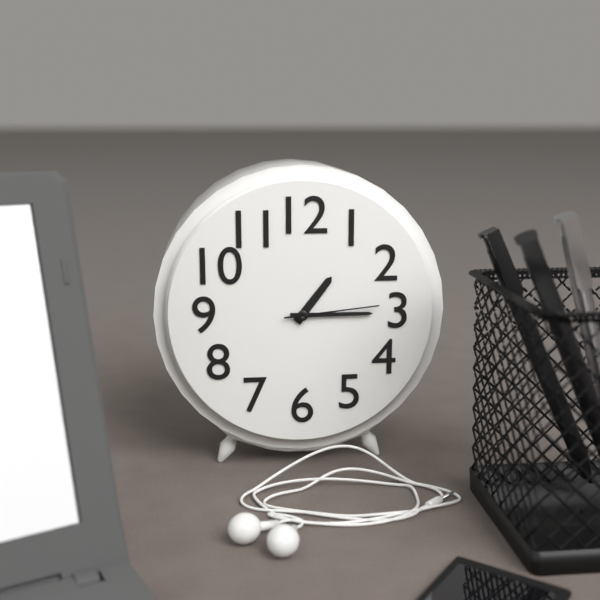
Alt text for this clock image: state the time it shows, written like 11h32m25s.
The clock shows 1h15m14s
